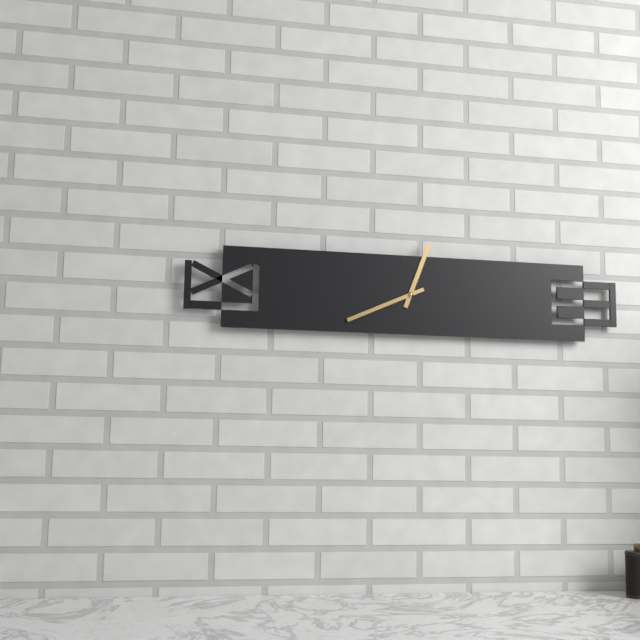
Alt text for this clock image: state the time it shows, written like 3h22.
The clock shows 12h41
